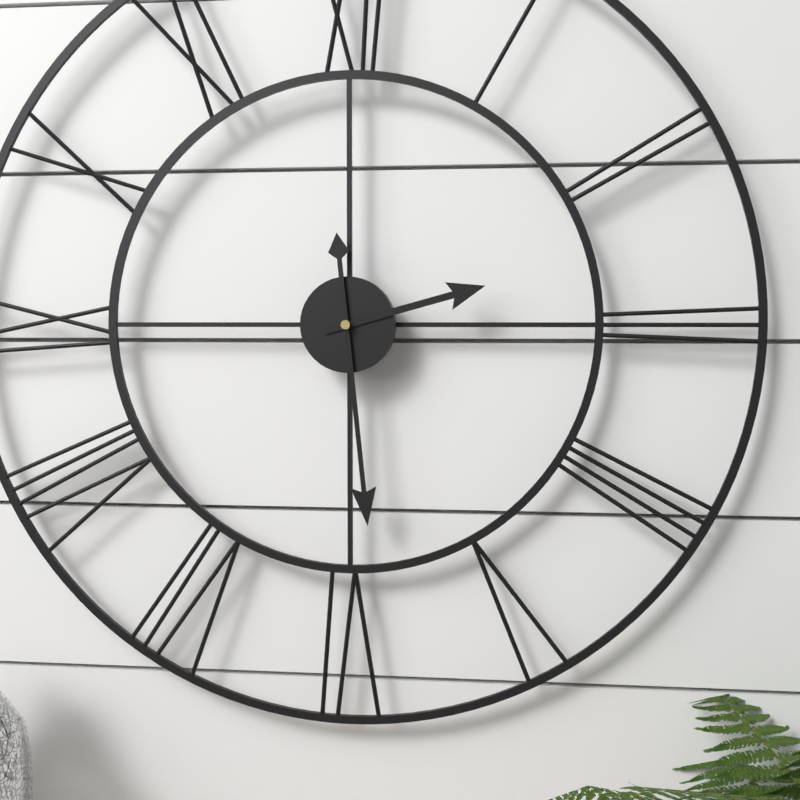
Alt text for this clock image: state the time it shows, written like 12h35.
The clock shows 2h29
